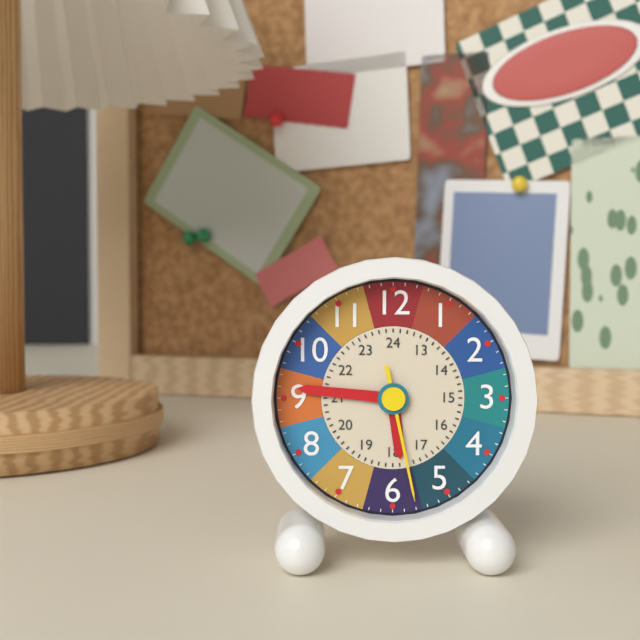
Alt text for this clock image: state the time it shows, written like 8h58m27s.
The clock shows 5h46m28s
